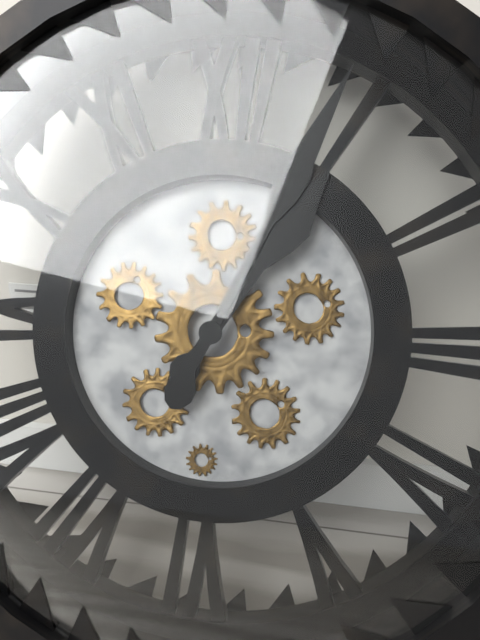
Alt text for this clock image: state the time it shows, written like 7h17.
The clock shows 1h04
